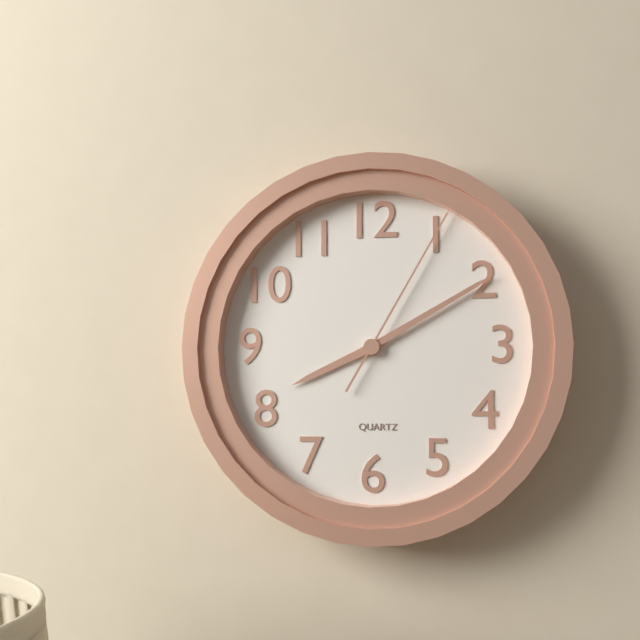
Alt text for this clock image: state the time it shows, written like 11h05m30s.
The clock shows 8h10m05s
